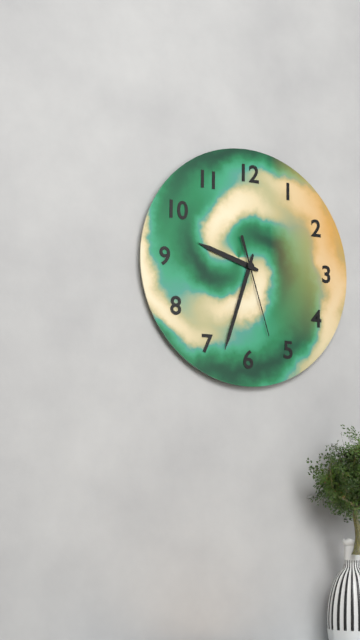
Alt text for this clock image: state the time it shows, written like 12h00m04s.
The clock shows 9h33m27s
